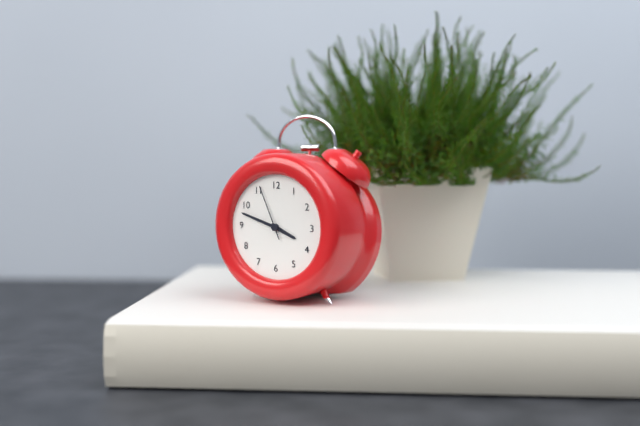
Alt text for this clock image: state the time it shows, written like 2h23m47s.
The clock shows 3h48m56s
